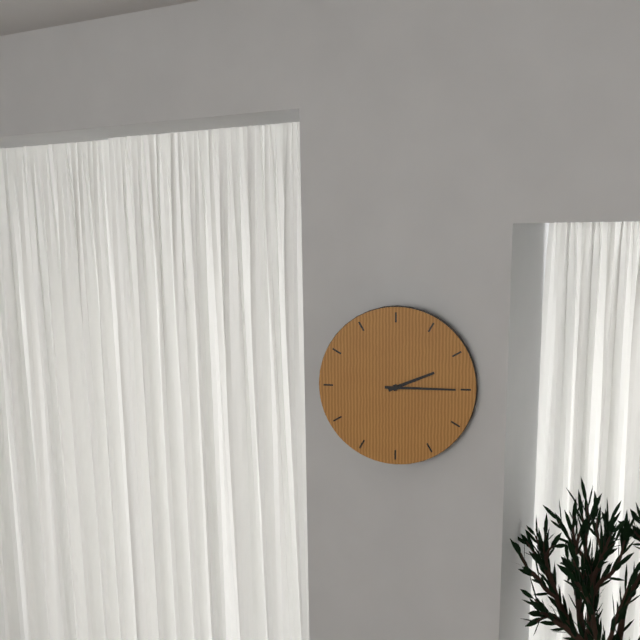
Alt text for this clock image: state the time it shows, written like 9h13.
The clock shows 2h15
